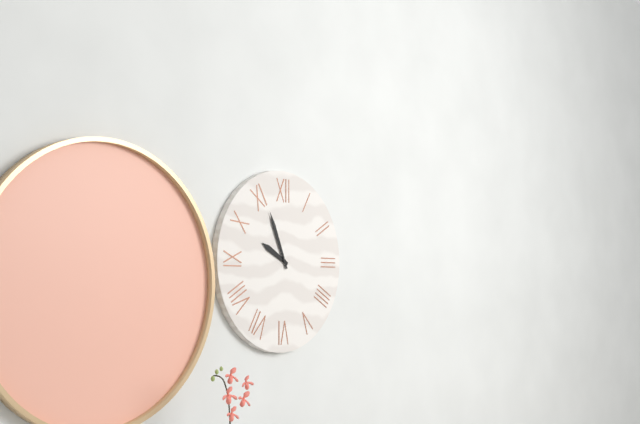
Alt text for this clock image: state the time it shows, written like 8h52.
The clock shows 9h56
